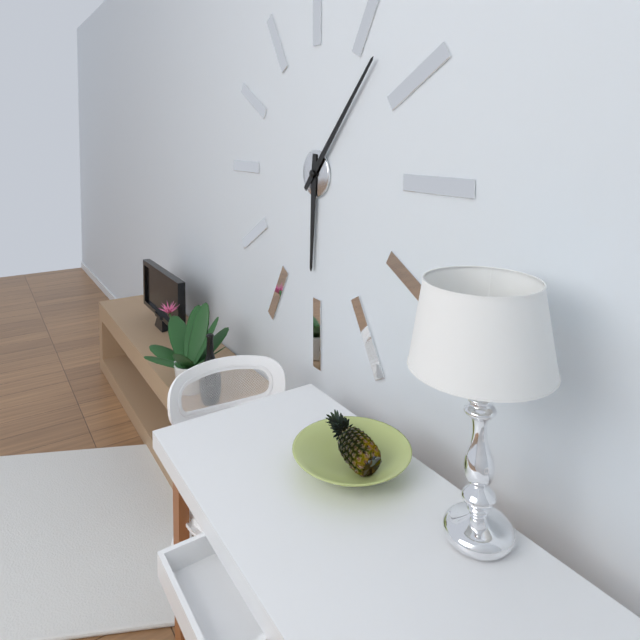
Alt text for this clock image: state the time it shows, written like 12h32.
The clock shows 6h07
